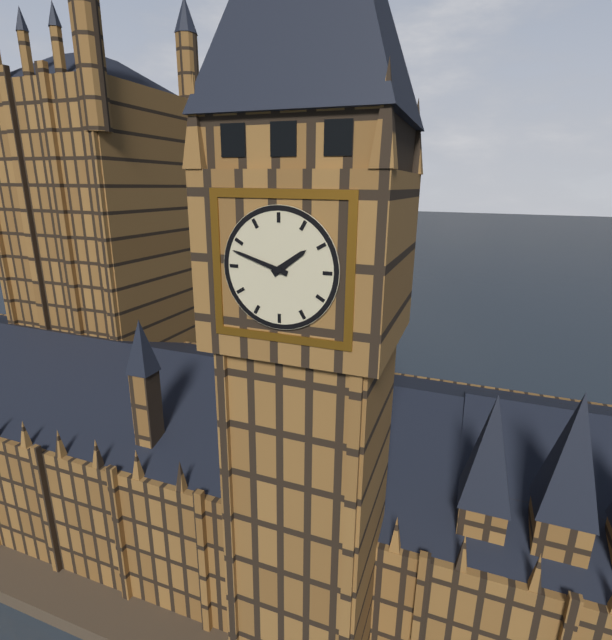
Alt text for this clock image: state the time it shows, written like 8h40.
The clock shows 1h48
